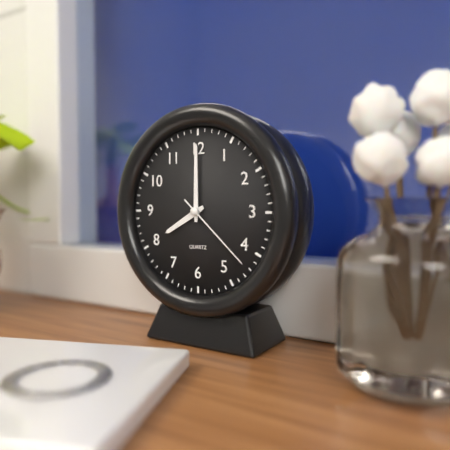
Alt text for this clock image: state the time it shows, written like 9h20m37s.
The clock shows 8h00m22s
